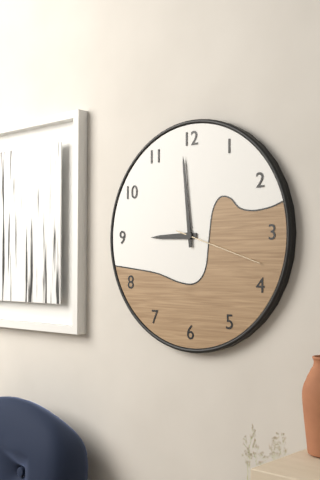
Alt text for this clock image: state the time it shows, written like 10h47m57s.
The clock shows 8h59m18s
